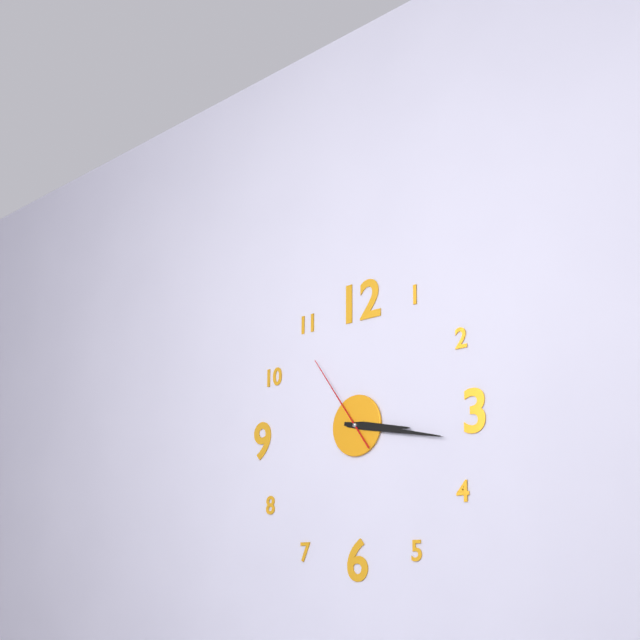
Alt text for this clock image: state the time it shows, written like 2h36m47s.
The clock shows 3h17m54s
